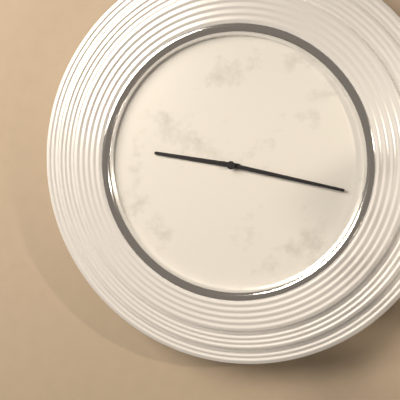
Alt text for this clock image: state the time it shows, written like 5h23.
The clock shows 9h17
